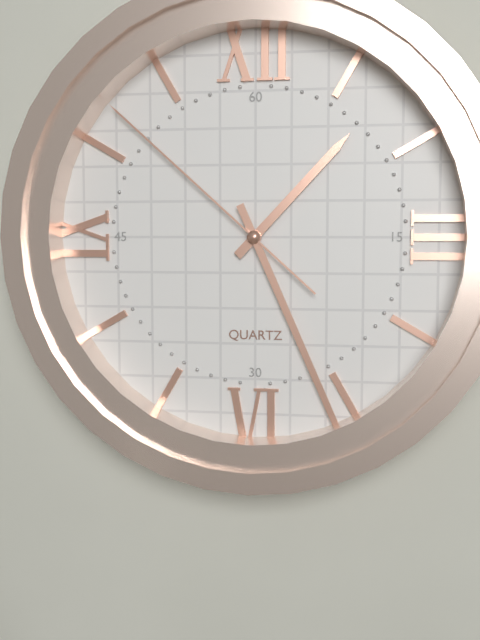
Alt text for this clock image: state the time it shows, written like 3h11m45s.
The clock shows 1h26m52s
